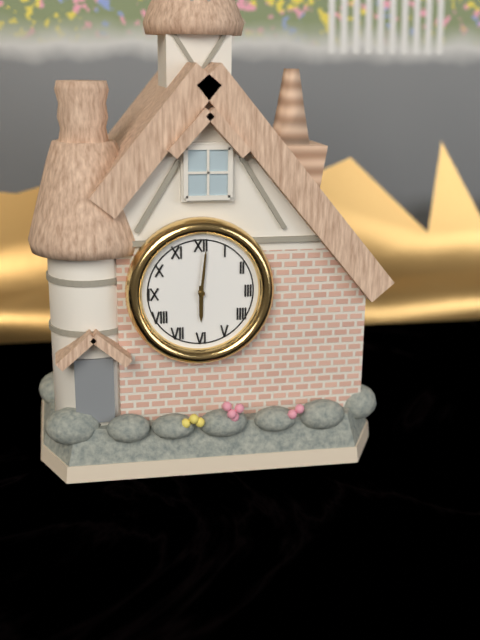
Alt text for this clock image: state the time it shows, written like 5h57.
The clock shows 6h01
